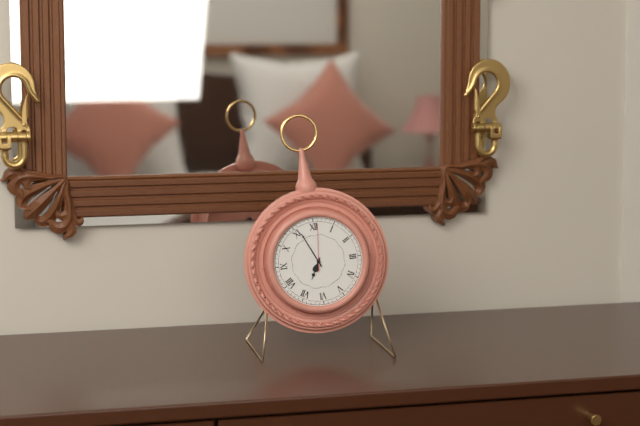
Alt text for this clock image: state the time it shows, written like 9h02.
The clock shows 6h56
